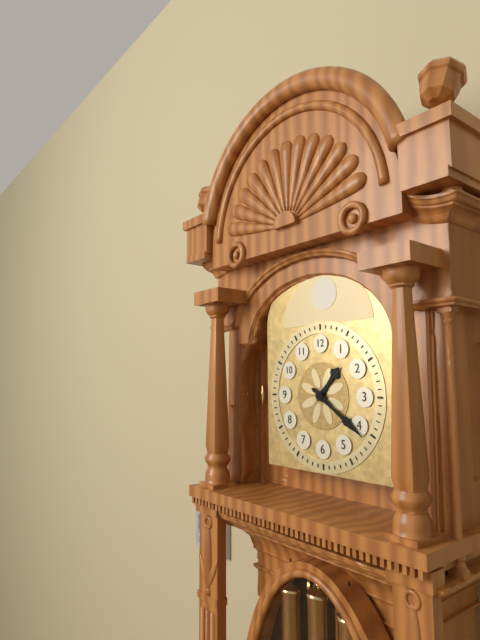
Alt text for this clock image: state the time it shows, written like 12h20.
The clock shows 1h21
